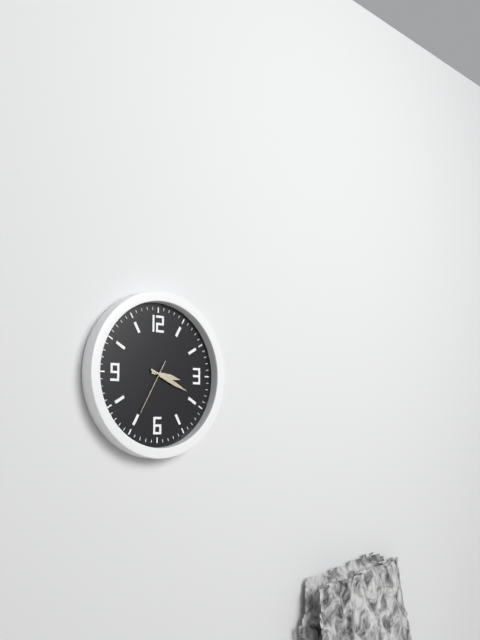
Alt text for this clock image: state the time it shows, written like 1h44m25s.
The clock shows 3h19m35s
